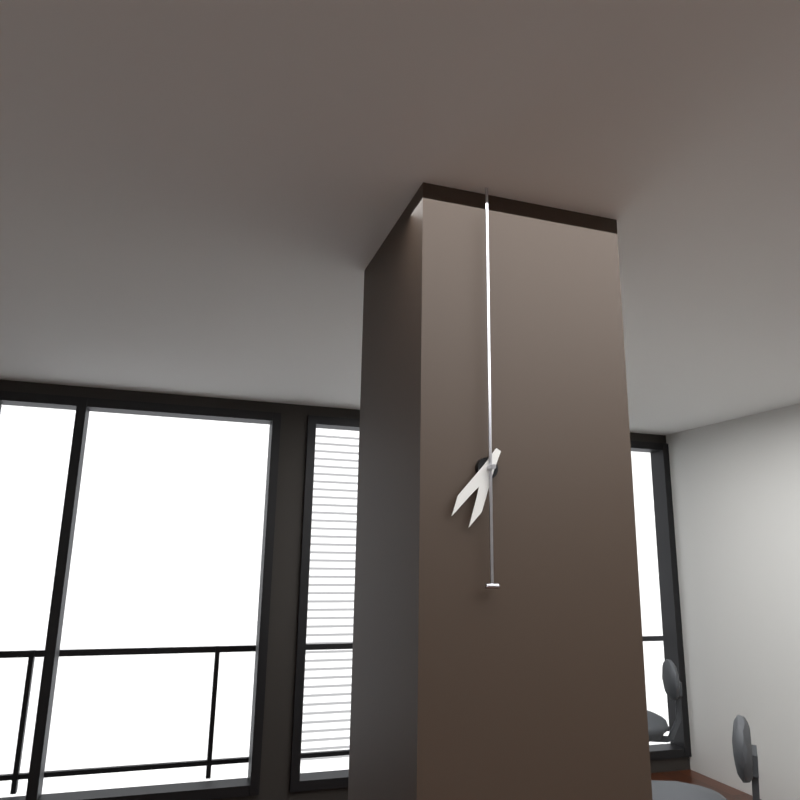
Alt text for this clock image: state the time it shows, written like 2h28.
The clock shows 7h00
